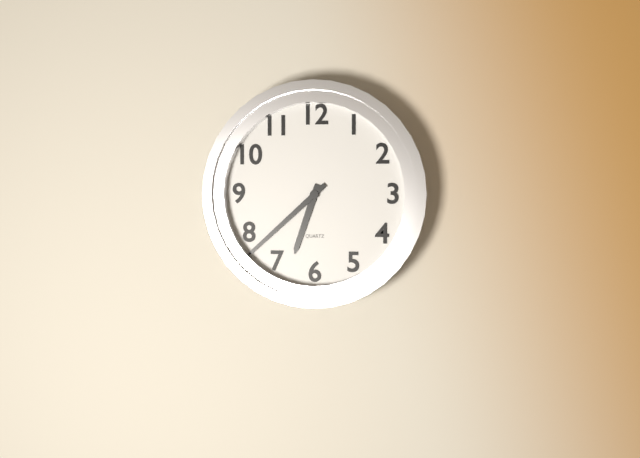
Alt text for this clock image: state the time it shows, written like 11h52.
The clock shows 6h38
